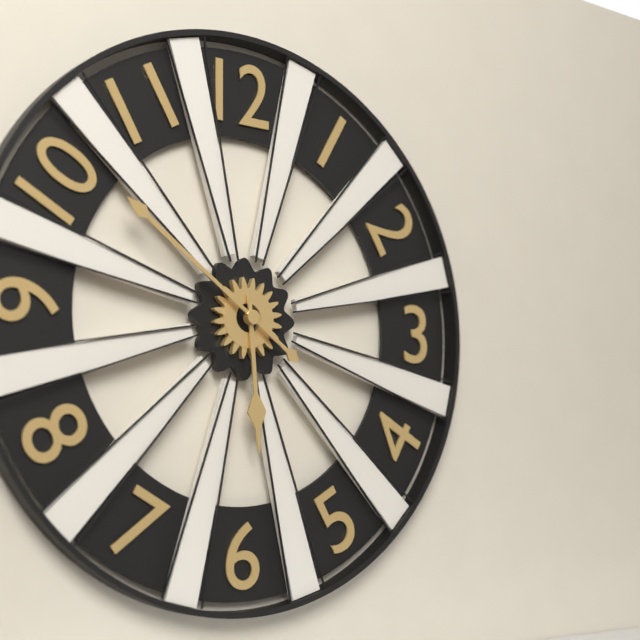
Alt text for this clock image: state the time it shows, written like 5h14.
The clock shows 5h51
